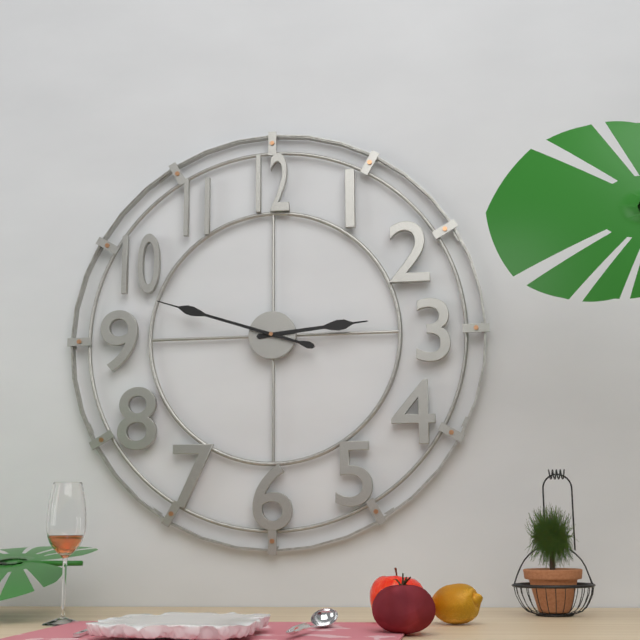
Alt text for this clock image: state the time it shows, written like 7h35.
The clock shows 2h48
